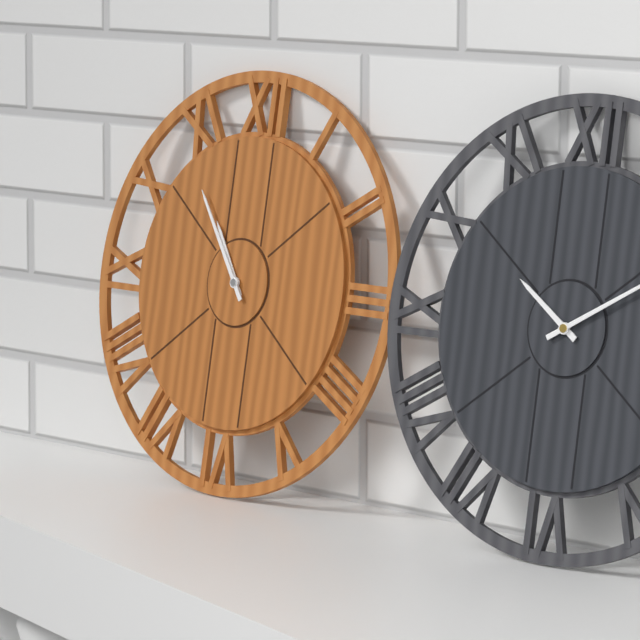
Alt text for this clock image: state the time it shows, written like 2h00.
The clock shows 10h54
